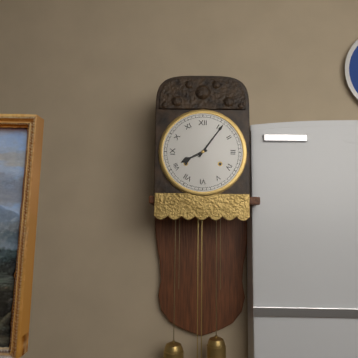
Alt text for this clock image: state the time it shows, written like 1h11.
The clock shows 8h06
